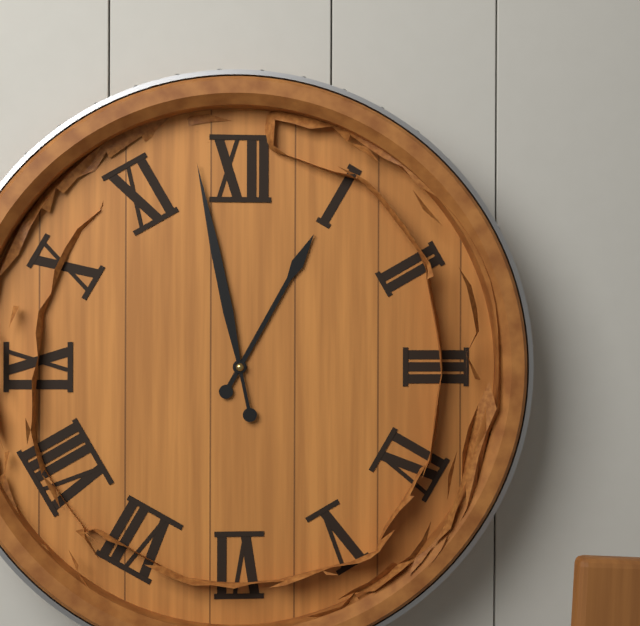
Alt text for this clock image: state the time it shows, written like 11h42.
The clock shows 12h58
